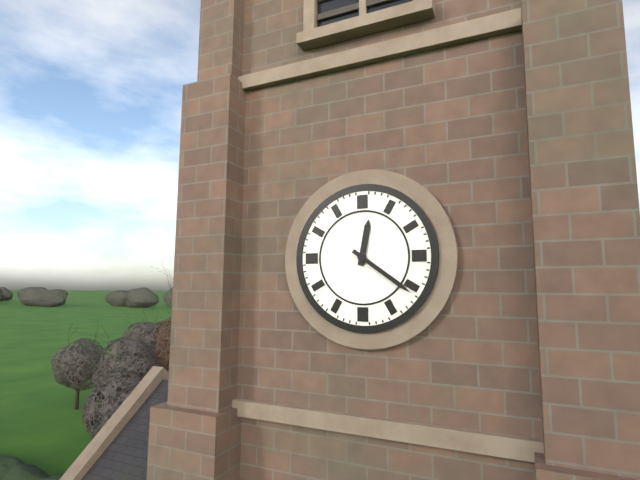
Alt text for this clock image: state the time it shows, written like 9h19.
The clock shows 12h21
